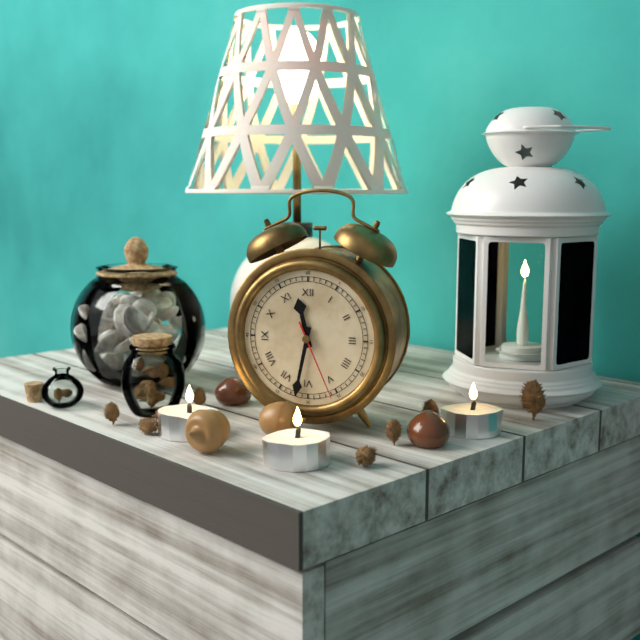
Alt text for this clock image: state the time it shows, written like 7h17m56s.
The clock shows 11h32m26s
